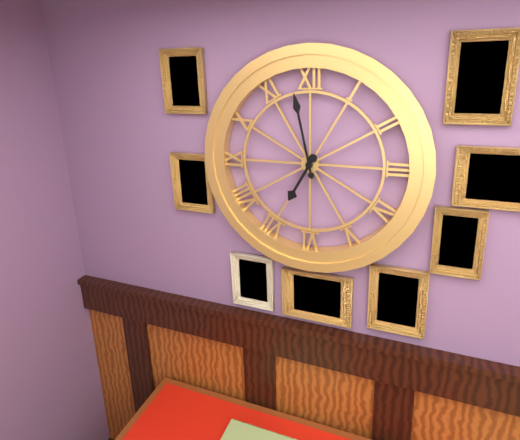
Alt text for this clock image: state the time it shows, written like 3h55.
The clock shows 6h58
